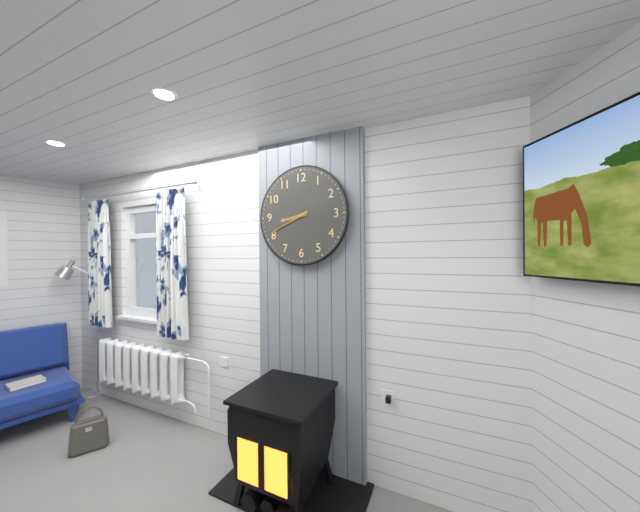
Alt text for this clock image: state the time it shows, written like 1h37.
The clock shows 8h41
